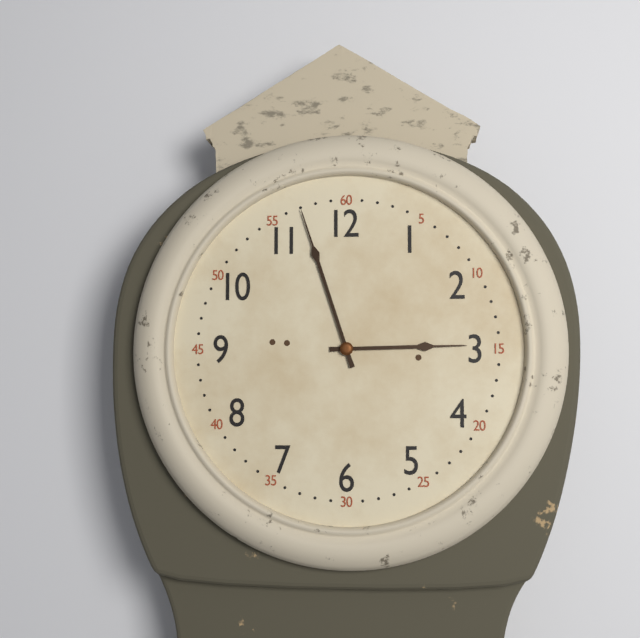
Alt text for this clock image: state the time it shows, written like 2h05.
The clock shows 2h57
